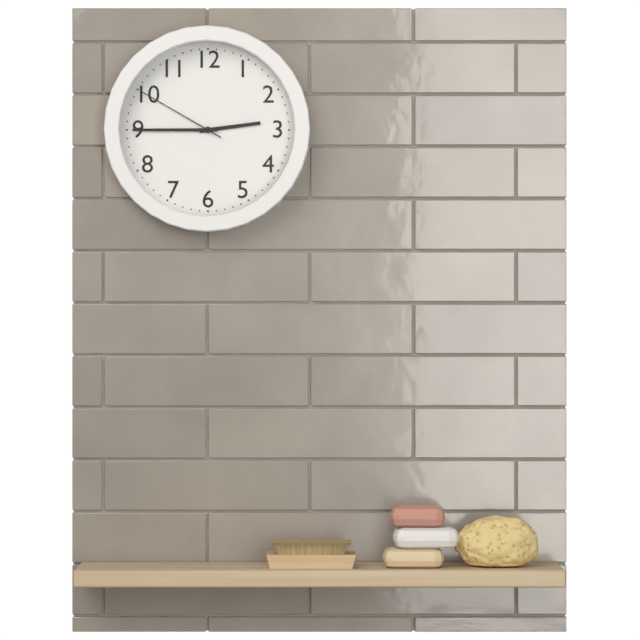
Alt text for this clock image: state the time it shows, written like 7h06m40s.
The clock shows 2h45m50s
